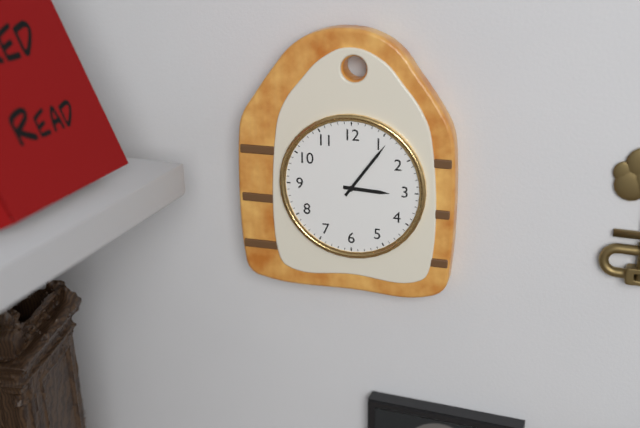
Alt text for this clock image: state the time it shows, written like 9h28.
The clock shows 3h06
